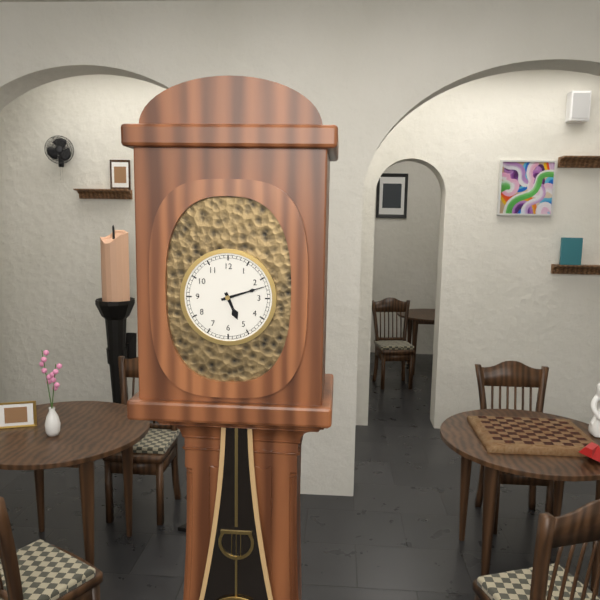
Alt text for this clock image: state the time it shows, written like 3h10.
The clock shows 5h12
